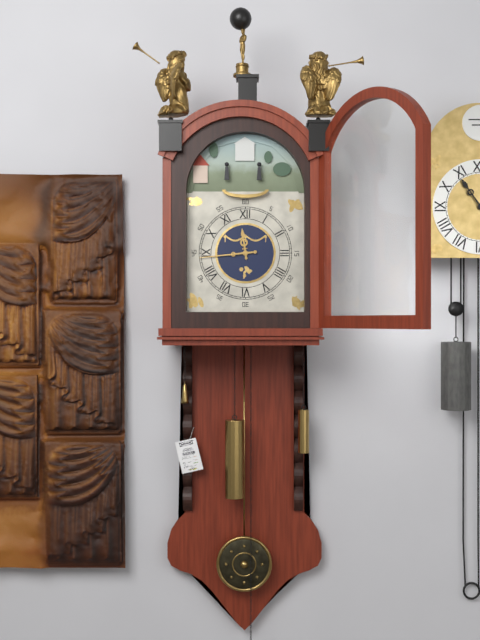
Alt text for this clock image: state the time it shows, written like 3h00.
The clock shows 11h44
